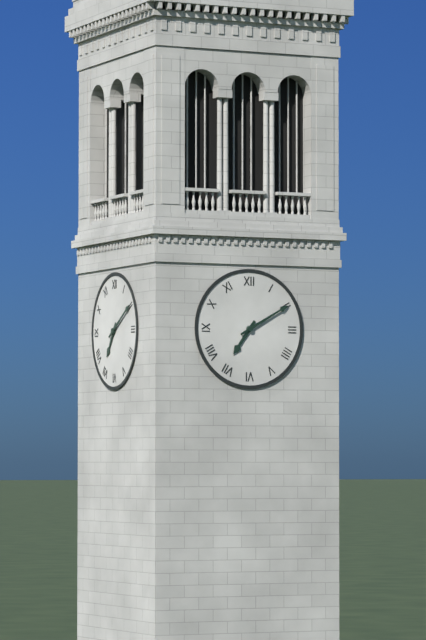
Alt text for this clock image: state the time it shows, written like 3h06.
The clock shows 7h10
